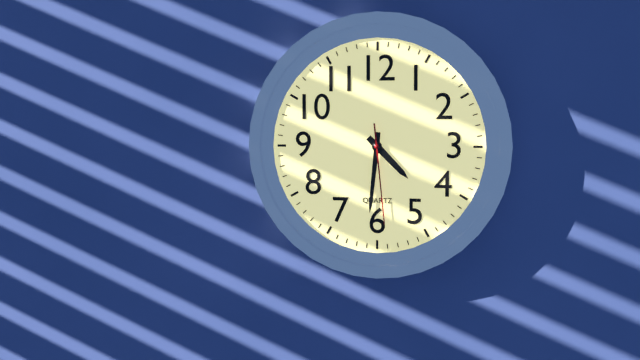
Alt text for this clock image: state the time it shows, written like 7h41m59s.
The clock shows 4h31m29s
